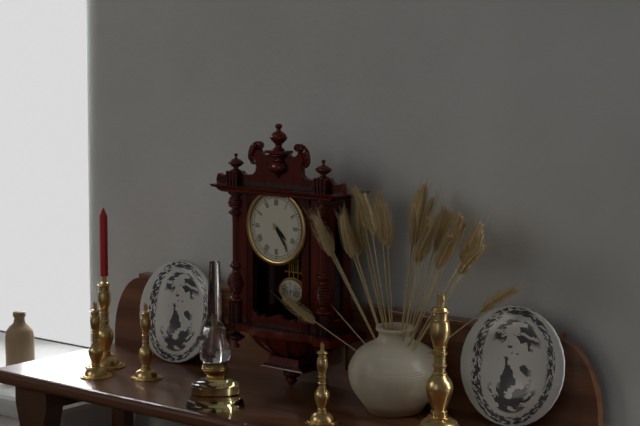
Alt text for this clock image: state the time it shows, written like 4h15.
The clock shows 4h24
